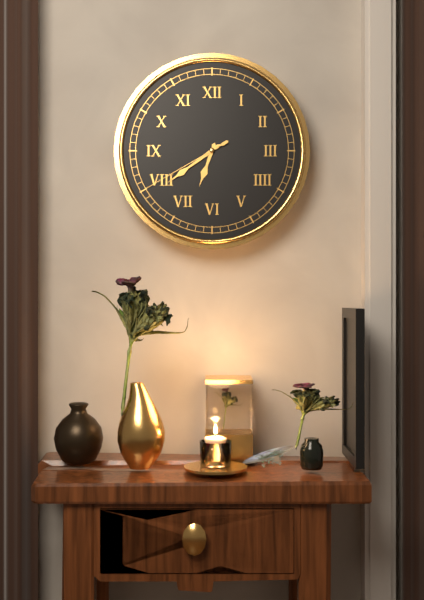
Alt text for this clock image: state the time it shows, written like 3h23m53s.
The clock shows 6h39m40s
